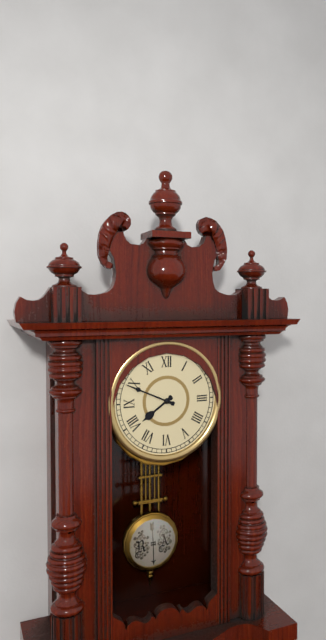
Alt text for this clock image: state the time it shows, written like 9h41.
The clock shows 7h49
